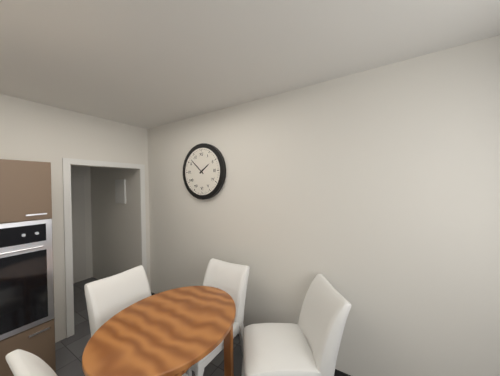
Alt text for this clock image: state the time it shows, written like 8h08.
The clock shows 1h52
